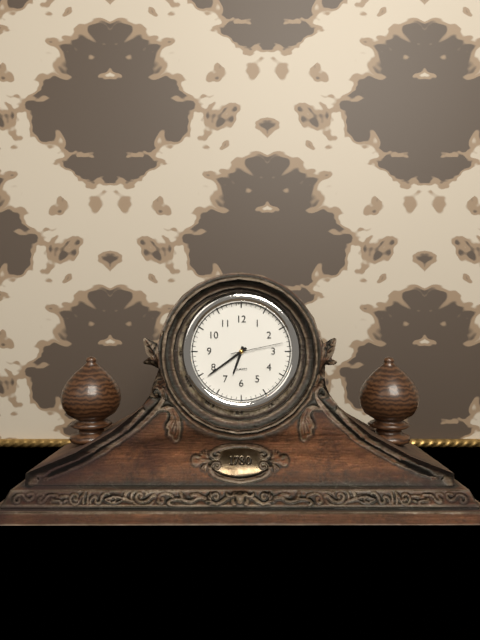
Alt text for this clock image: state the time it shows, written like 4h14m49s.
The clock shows 6h39m13s
